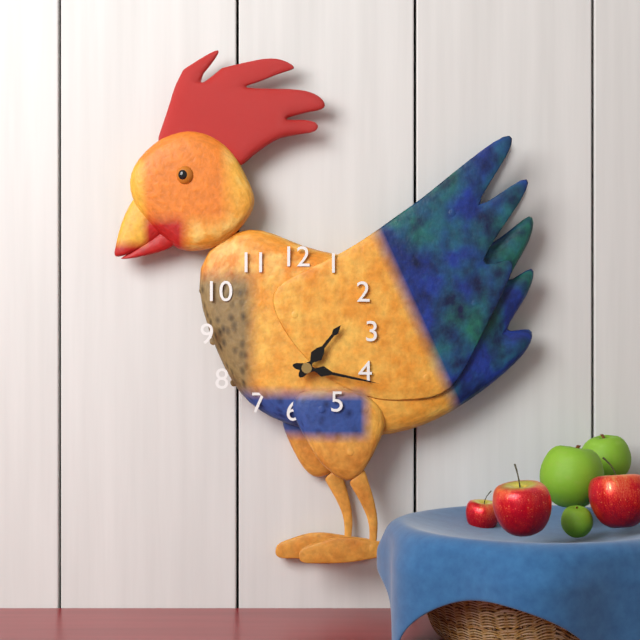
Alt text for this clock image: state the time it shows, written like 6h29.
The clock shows 1h17
